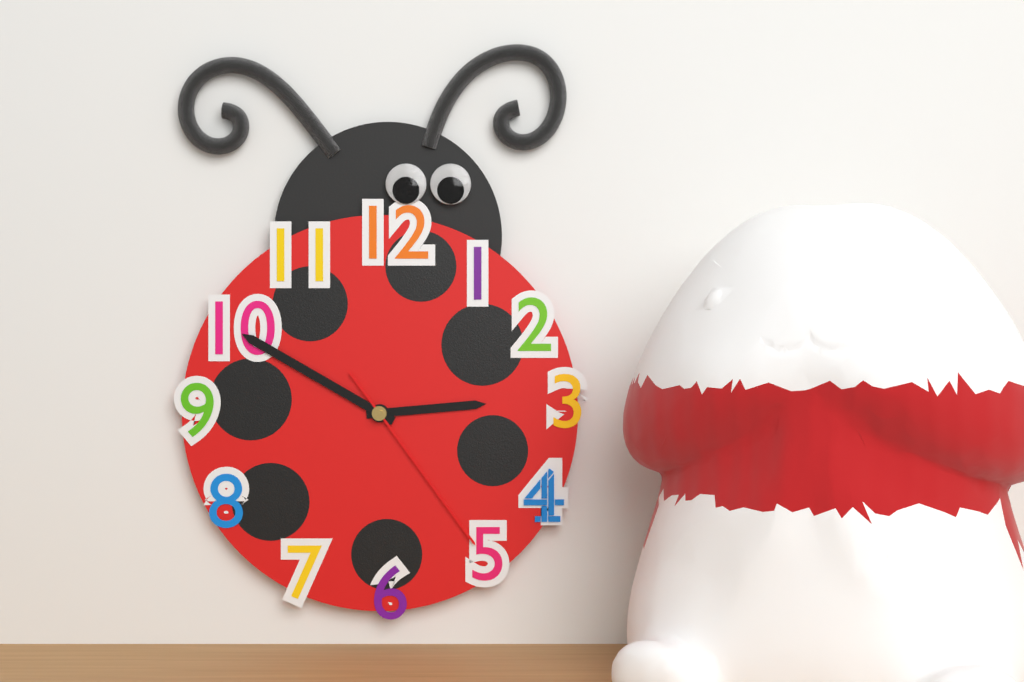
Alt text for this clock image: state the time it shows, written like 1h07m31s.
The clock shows 2h50m24s
